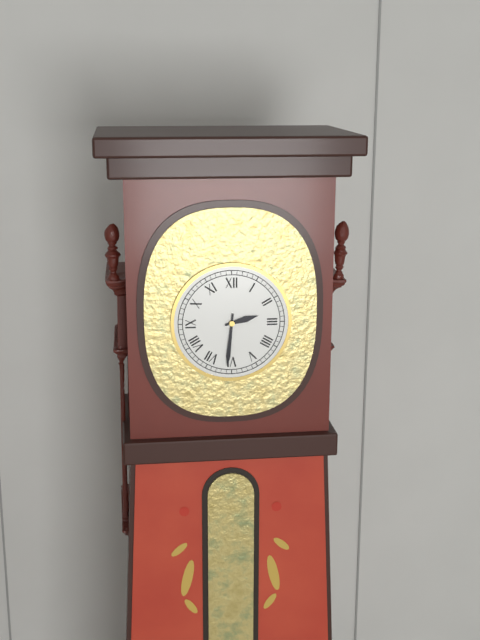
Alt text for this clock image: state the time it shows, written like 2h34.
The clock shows 2h31
